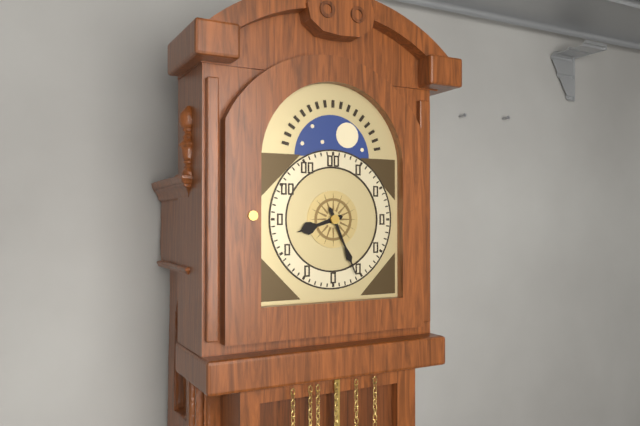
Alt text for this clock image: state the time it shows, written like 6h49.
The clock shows 8h26
